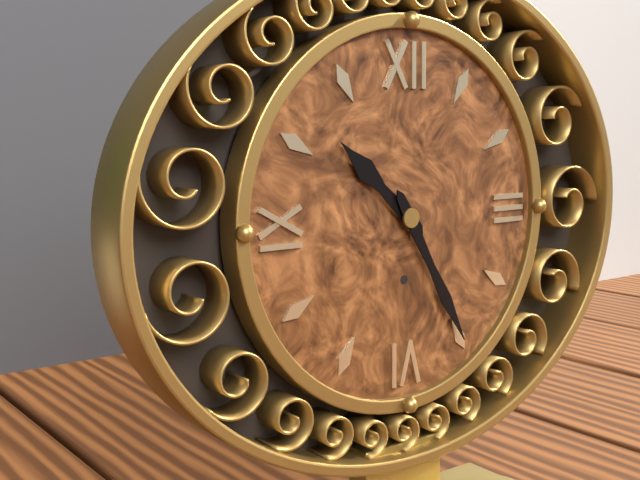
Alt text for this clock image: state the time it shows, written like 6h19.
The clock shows 10h25
